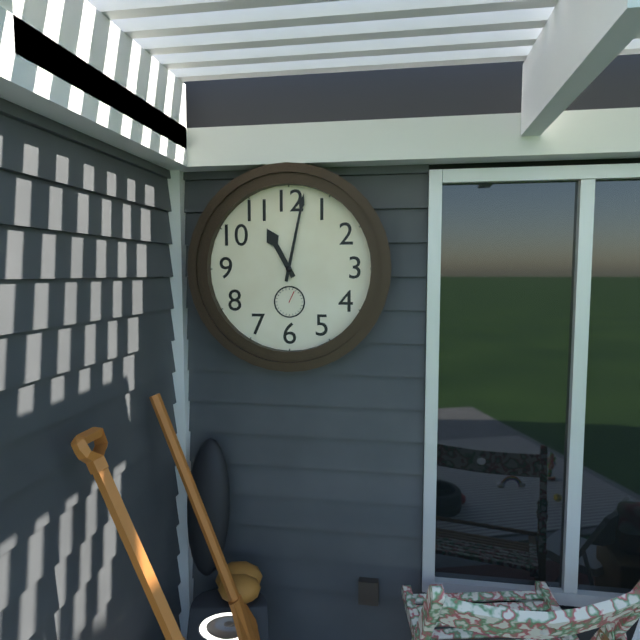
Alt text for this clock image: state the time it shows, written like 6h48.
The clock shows 11h02
